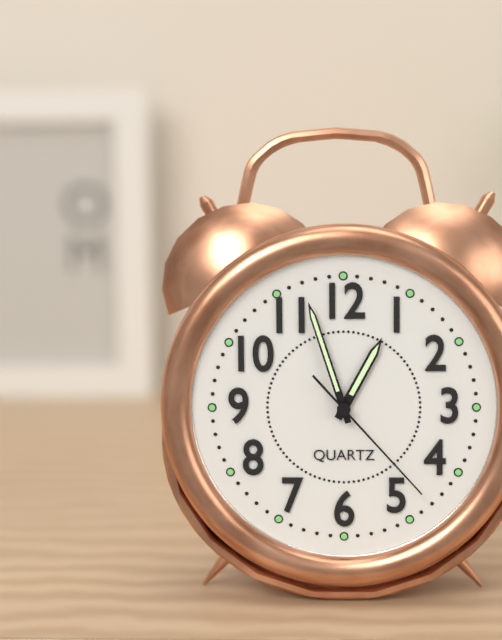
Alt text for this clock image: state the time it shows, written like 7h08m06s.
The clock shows 12h57m23s
